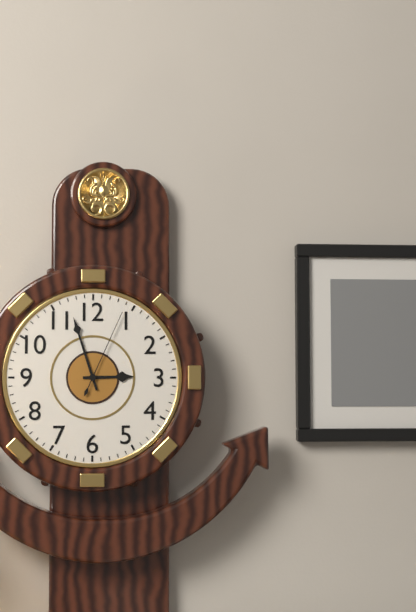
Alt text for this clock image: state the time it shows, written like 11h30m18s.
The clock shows 2h57m04s
